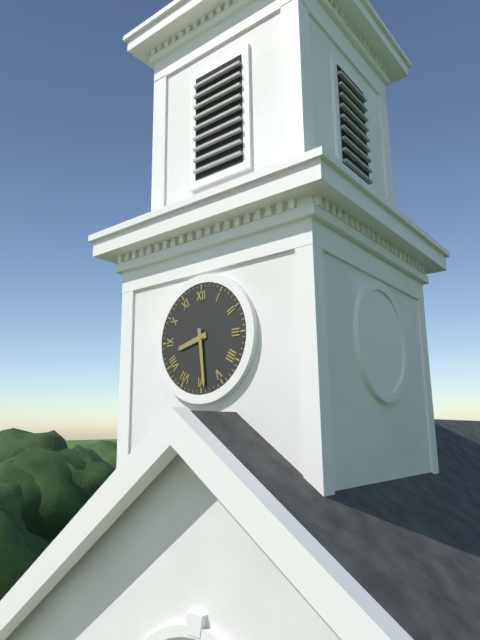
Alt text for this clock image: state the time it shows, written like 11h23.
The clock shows 8h29
